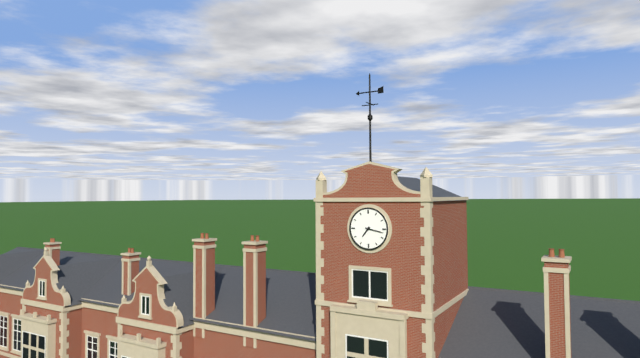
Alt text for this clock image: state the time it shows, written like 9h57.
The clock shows 7h17
